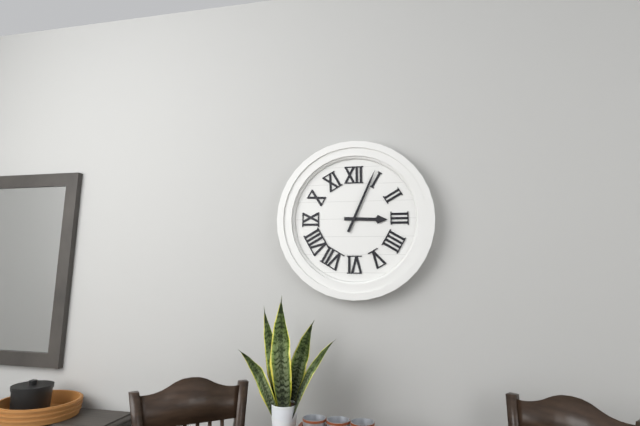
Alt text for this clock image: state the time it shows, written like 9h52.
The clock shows 3h04
